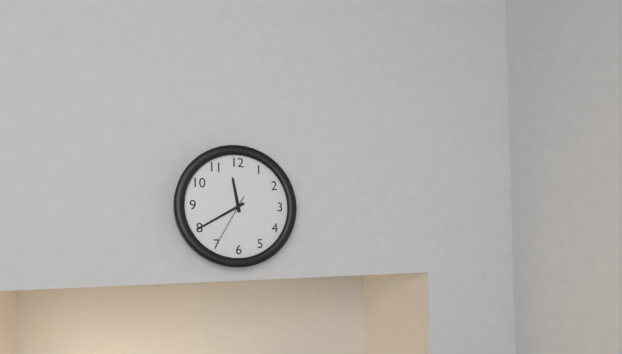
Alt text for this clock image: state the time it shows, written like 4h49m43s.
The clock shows 11h40m35s
